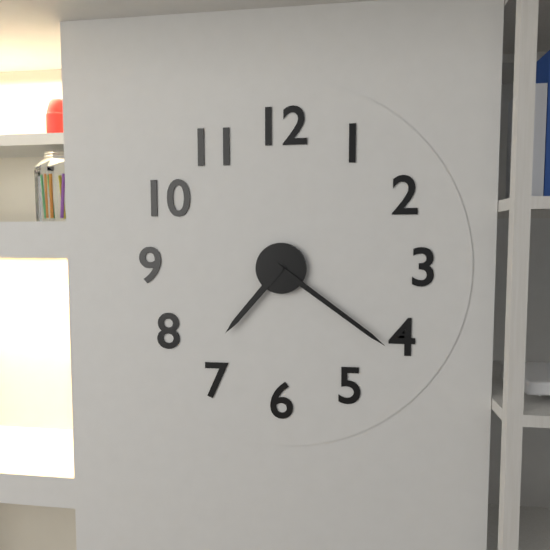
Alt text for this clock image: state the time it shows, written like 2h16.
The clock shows 7h21
